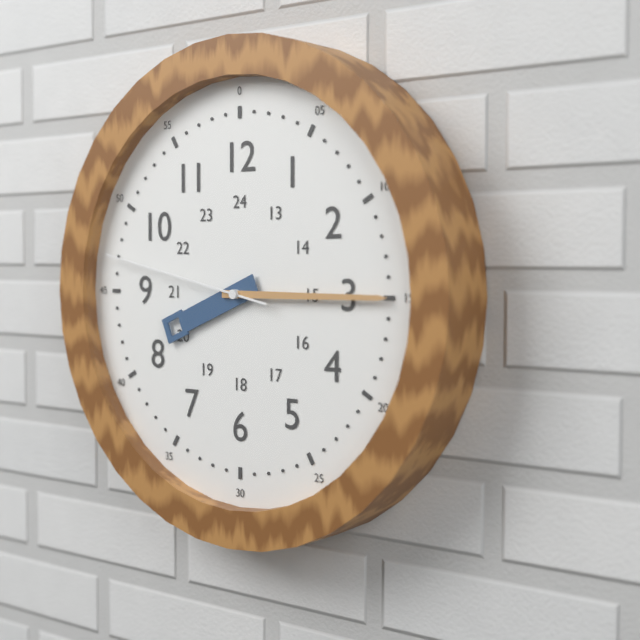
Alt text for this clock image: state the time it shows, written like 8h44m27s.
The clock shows 8h15m47s
